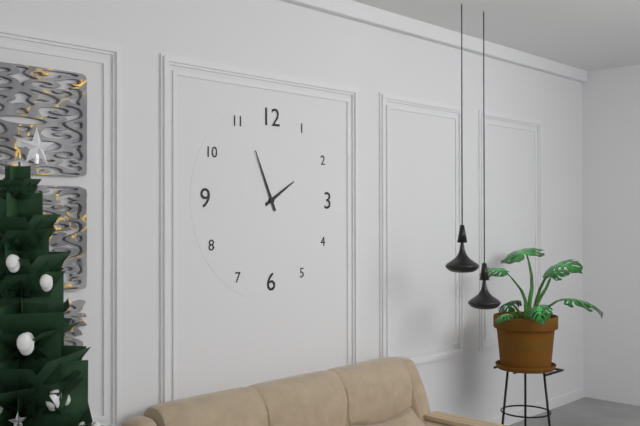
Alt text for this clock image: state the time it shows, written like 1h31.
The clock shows 1h56
